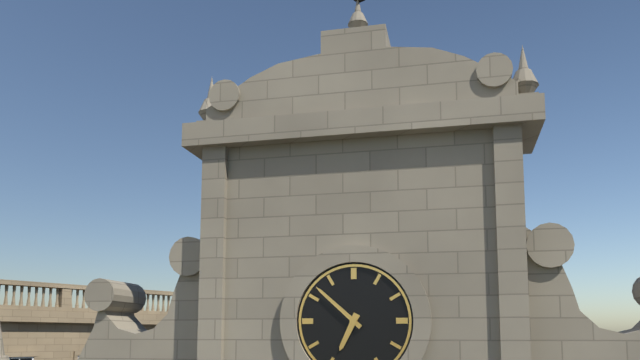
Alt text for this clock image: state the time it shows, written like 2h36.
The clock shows 6h52
